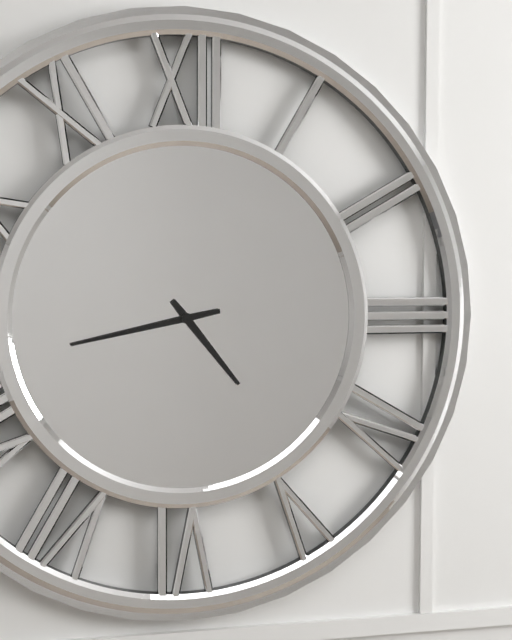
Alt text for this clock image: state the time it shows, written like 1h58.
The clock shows 4h43
